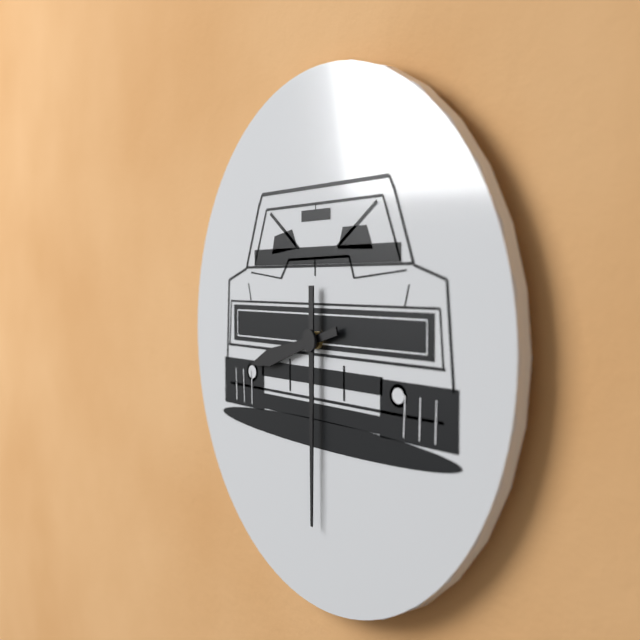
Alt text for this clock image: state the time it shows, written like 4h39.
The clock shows 8h30
